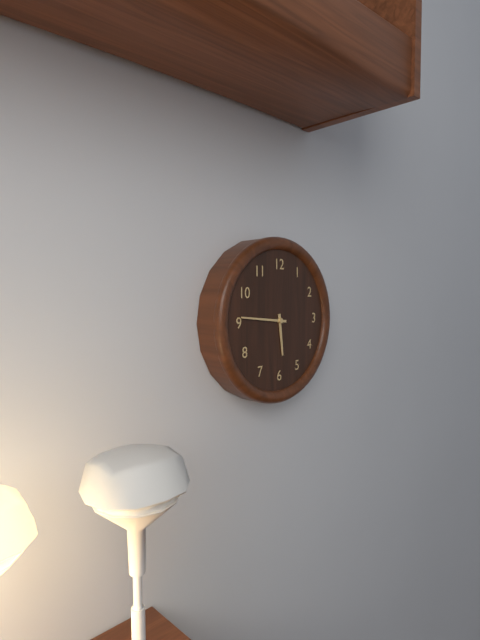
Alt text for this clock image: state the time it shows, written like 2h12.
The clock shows 5h46
